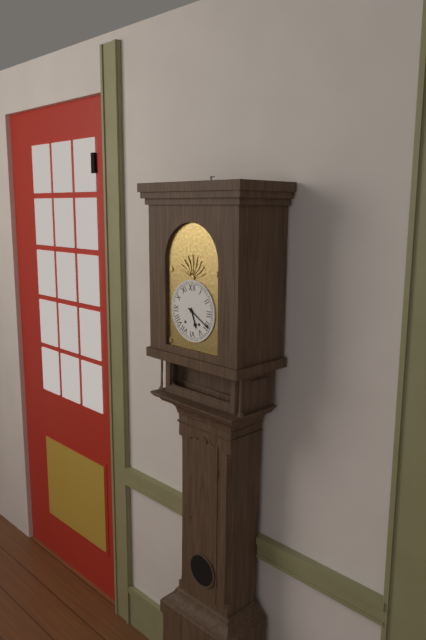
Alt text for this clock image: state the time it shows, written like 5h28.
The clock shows 5h20
